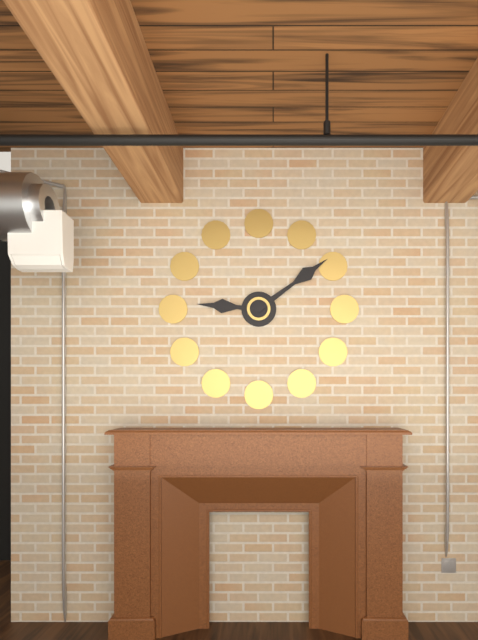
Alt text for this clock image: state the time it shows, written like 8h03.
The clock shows 9h09
